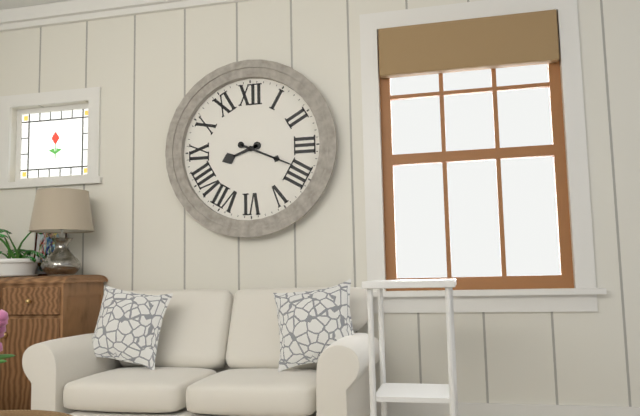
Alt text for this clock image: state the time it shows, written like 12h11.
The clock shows 8h19
